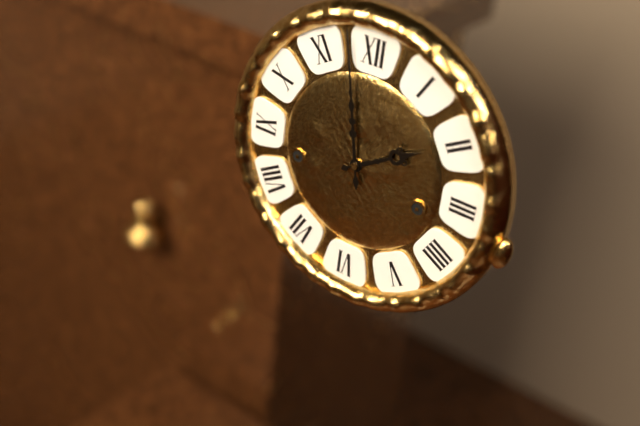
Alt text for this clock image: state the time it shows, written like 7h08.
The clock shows 1h58
